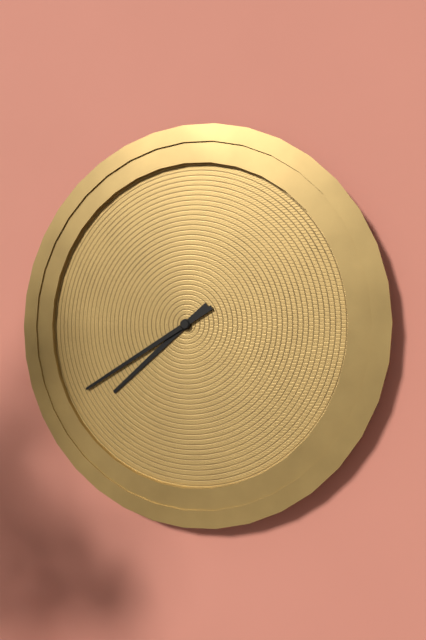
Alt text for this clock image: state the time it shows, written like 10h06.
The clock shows 7h40
